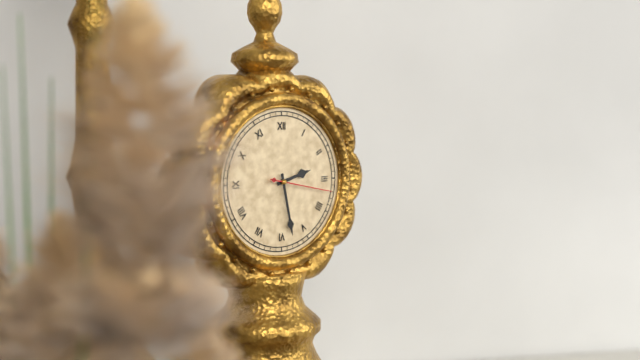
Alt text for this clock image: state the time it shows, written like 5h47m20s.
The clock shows 2h28m17s
